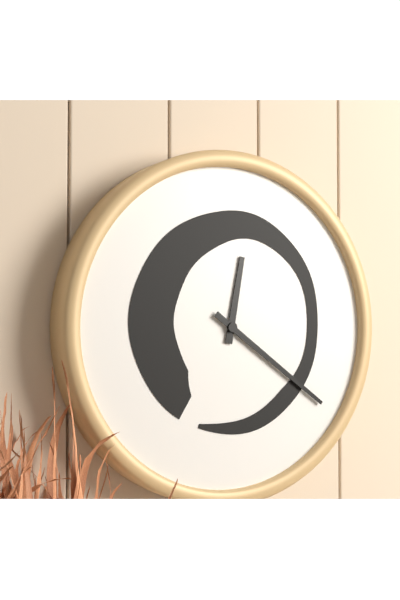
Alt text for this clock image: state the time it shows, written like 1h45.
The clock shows 12h21
